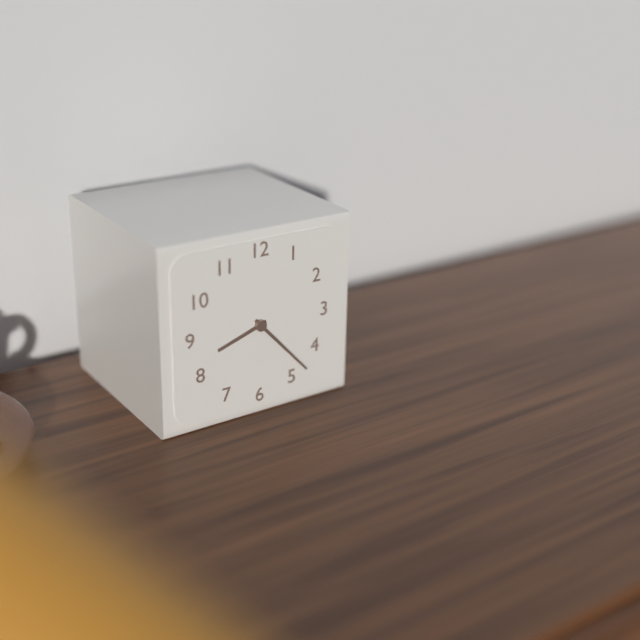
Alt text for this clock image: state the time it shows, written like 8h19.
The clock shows 8h23
